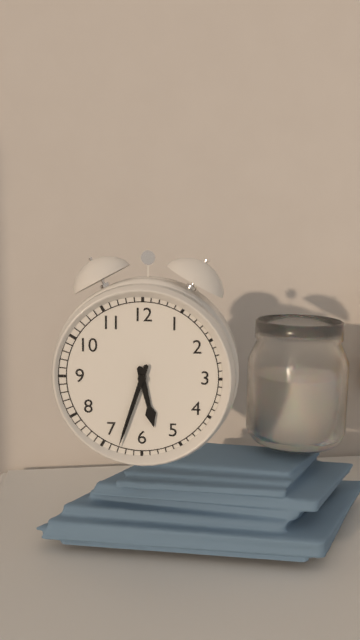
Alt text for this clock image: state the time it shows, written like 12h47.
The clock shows 5h33
